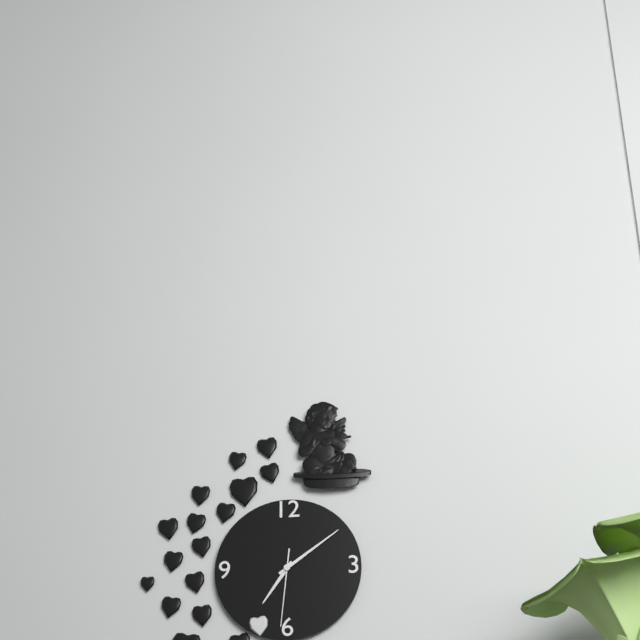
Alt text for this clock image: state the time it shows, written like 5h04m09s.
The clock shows 7h09m31s
